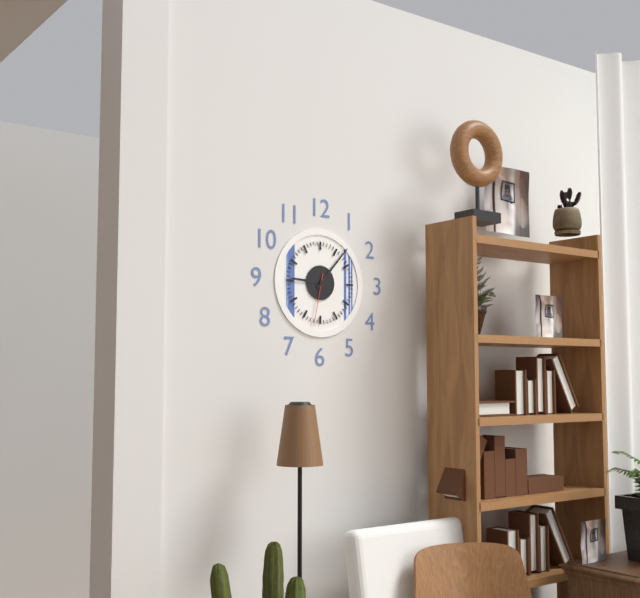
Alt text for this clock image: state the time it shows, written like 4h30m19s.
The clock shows 9h07m32s
